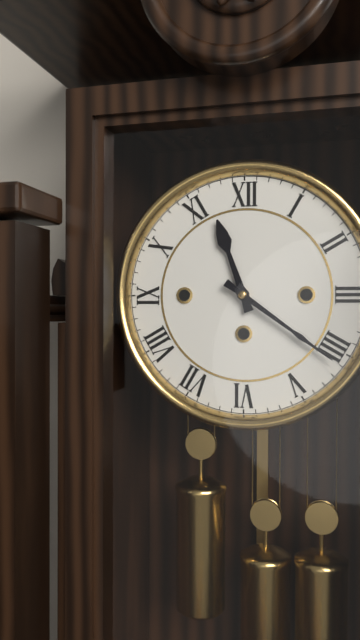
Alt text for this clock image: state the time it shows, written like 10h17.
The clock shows 11h21
